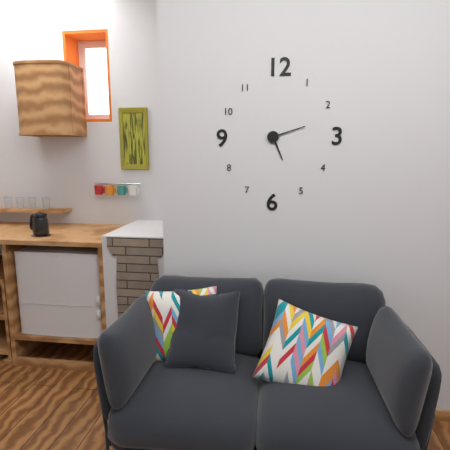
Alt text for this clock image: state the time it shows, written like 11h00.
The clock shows 5h12
